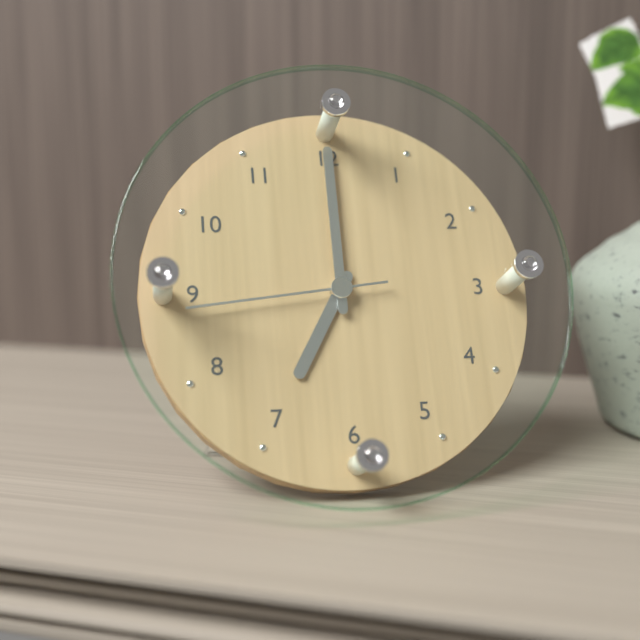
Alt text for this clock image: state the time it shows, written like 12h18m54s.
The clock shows 7h00m44s
